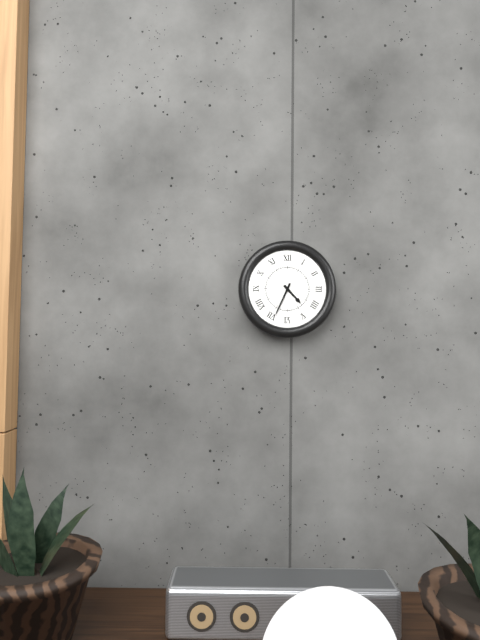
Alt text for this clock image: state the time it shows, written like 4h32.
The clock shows 4h34
